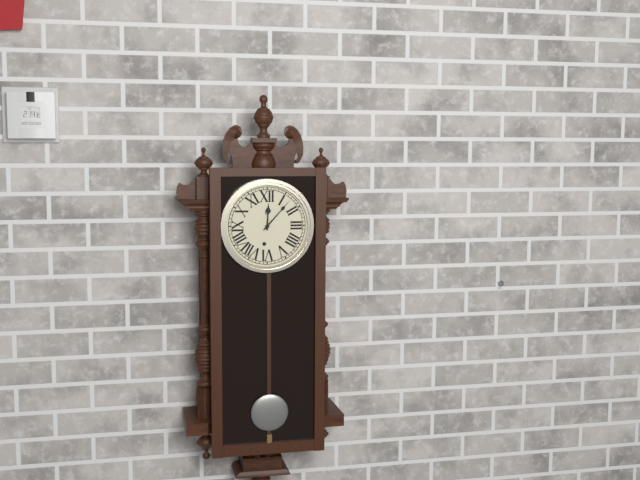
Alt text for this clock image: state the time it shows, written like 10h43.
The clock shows 12h07
